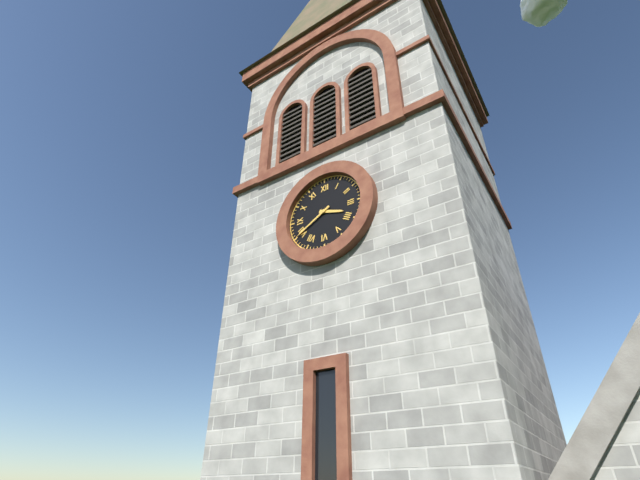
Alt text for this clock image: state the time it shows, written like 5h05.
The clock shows 3h40
